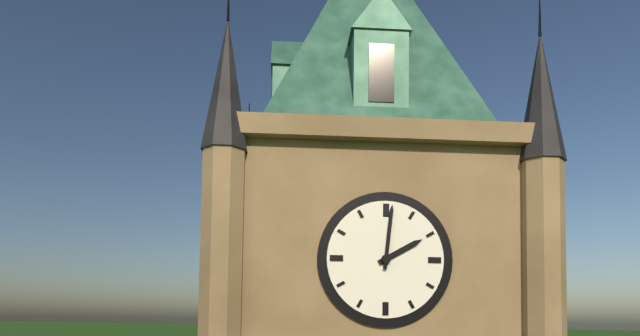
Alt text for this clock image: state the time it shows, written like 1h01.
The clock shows 2h01
